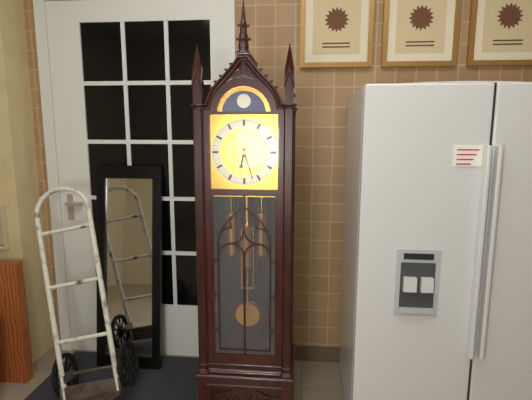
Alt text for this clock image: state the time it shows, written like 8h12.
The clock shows 6h27
